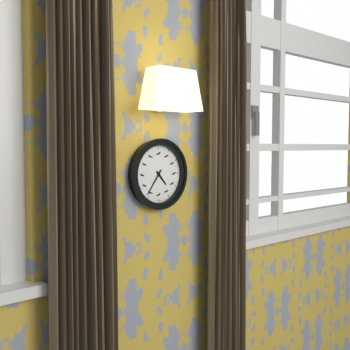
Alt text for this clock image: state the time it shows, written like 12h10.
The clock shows 4h36
